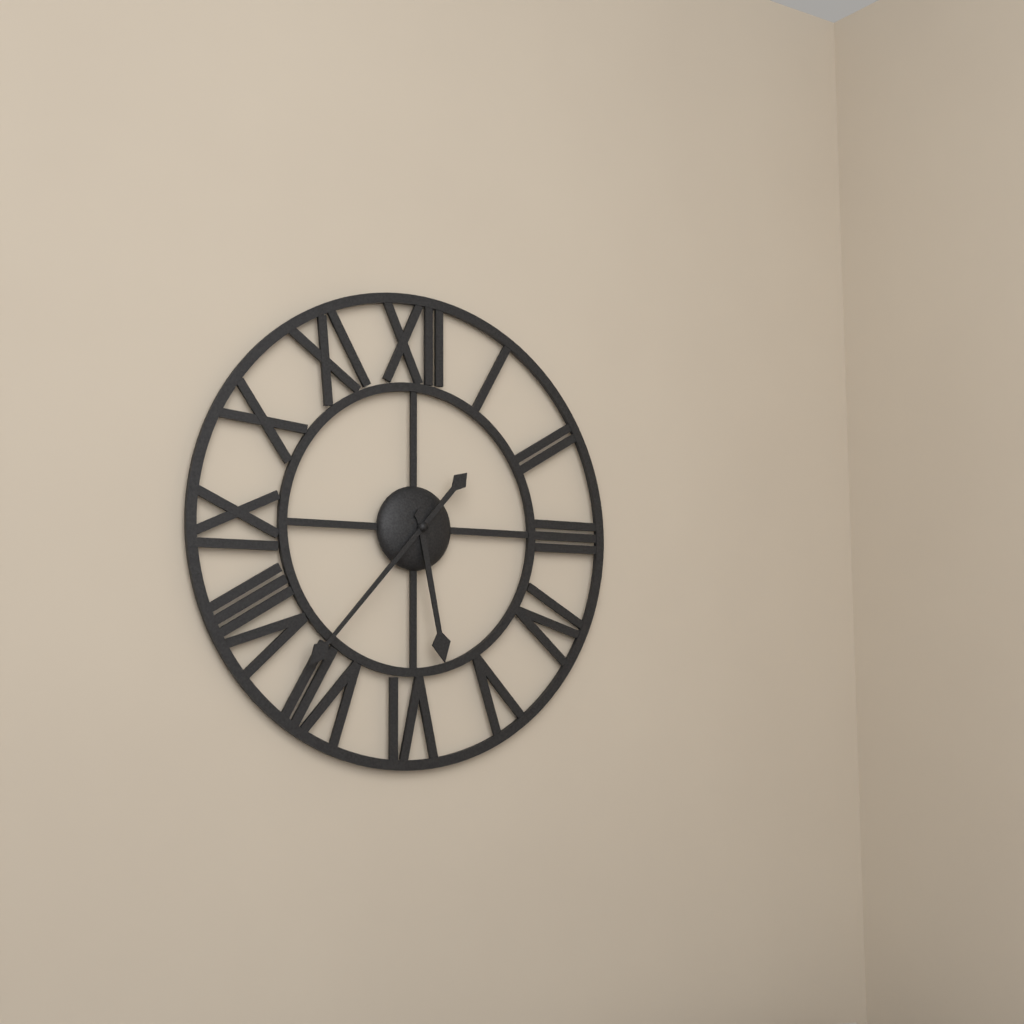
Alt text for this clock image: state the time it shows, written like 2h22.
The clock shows 5h37
